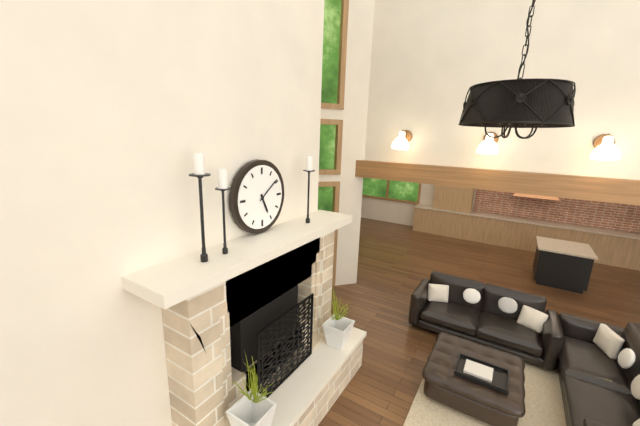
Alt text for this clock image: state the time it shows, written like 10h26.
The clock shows 5h09
